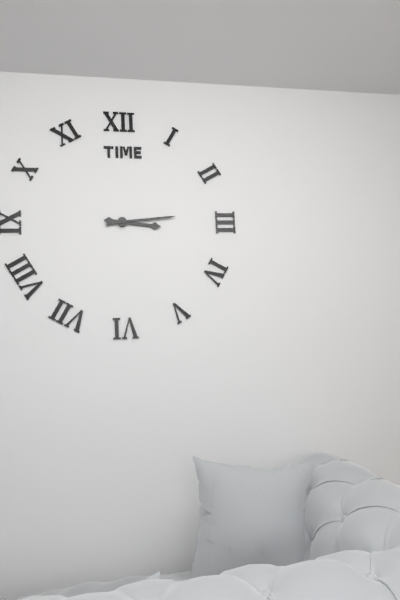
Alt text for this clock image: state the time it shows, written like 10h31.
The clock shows 3h14
